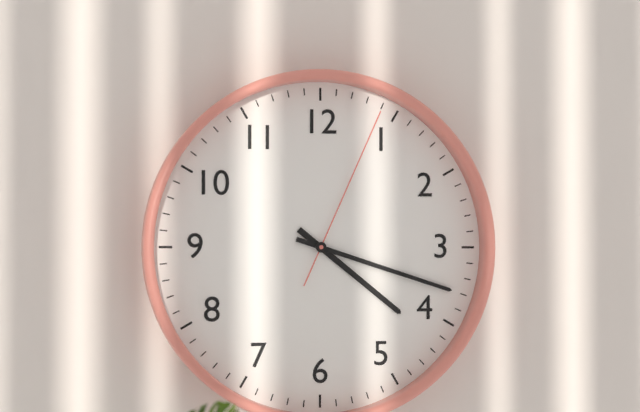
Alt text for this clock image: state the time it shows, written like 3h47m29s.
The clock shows 4h18m04s
